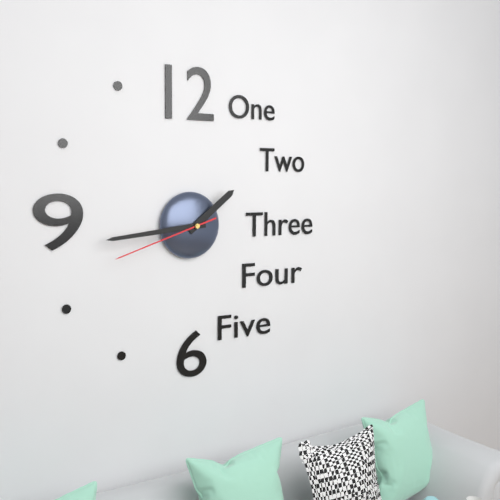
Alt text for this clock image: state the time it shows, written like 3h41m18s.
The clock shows 1h44m42s
